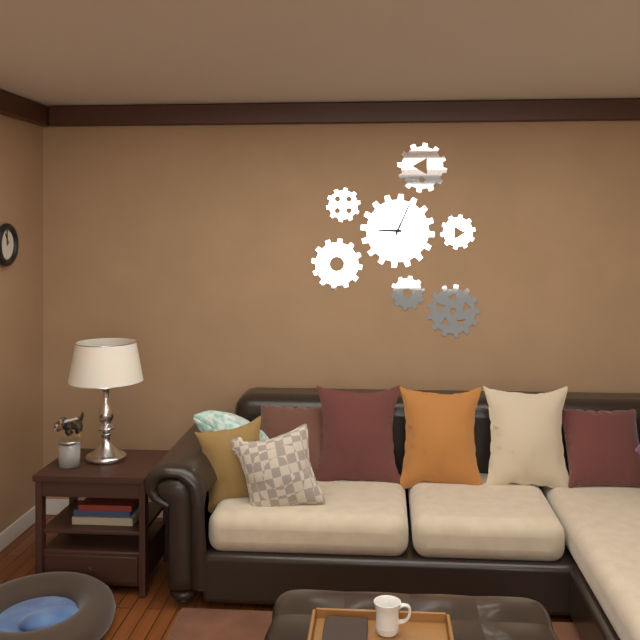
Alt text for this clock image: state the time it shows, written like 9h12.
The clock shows 9h04
